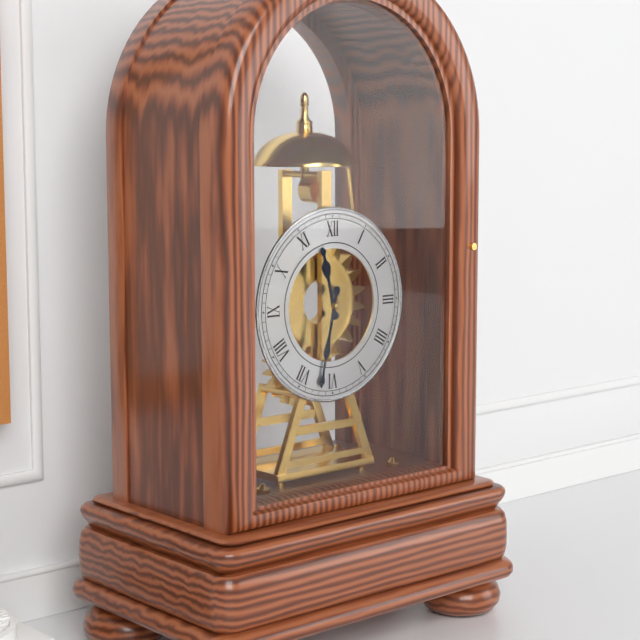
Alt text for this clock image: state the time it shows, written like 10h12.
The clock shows 11h32
